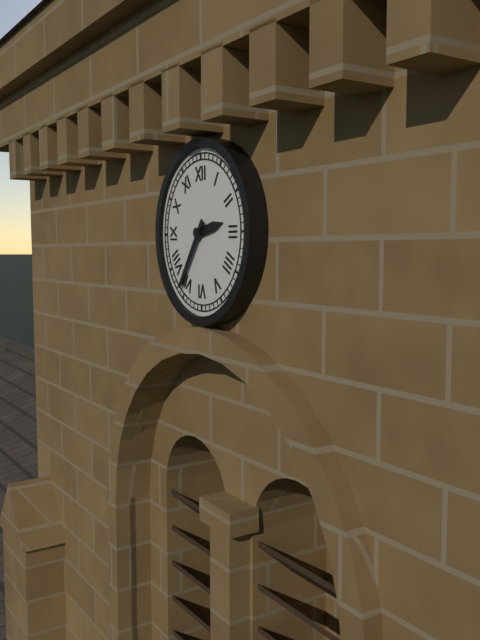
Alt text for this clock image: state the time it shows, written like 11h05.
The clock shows 2h36
